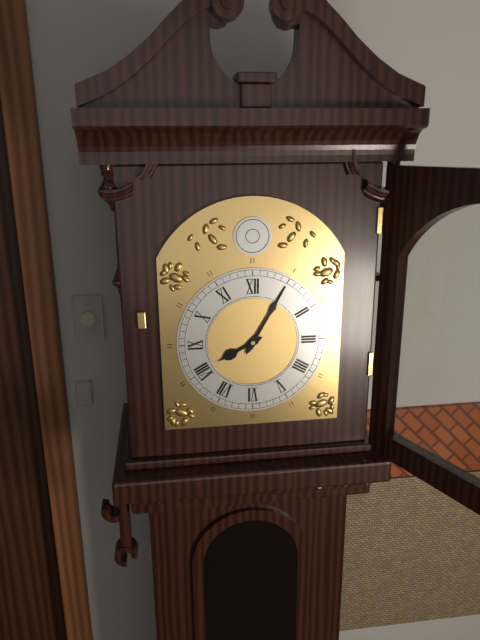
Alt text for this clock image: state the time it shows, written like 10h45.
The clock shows 8h05
